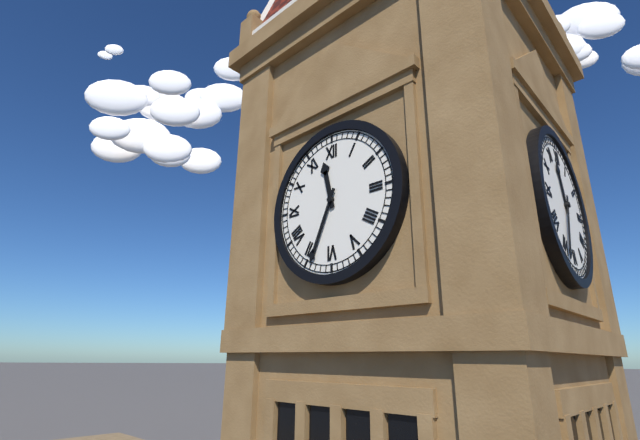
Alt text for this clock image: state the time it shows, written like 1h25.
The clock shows 11h34
